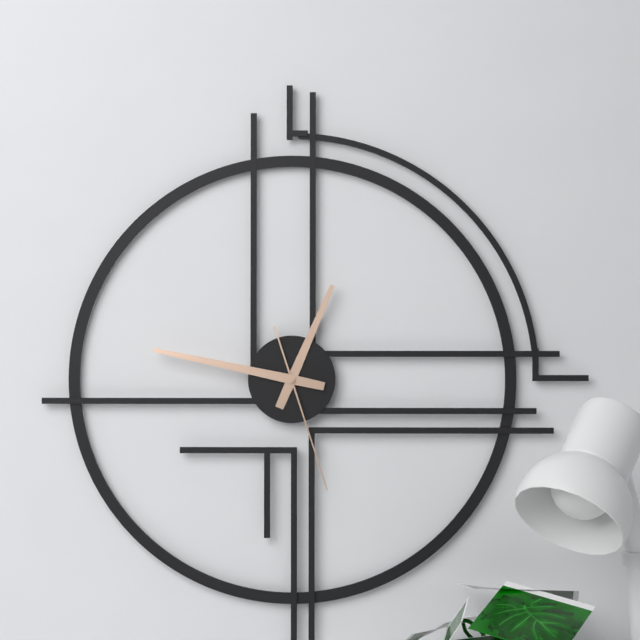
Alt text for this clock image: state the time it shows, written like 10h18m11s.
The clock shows 12h47m27s
